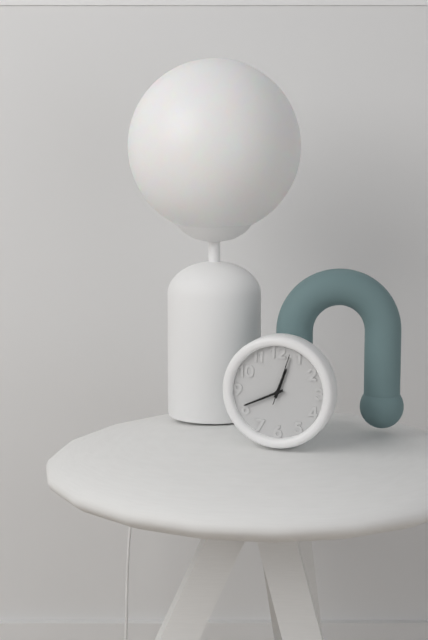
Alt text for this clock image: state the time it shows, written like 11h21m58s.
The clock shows 12h41m03s
